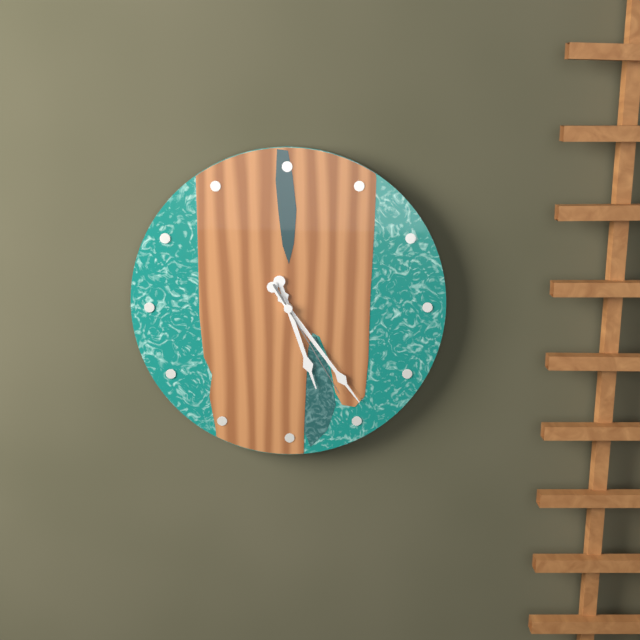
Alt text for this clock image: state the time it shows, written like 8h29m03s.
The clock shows 5h24m25s
